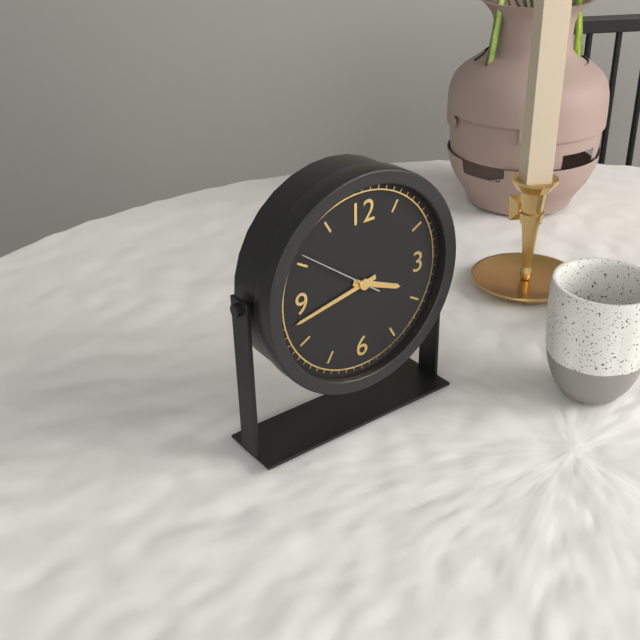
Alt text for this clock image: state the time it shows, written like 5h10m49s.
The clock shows 3h43m51s
